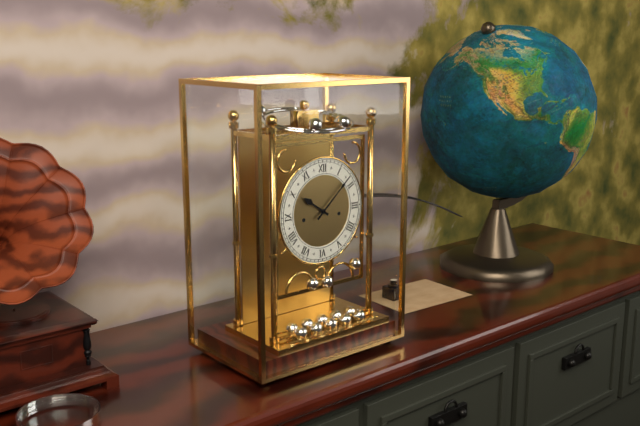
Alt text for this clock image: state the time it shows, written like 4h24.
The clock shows 10h08
